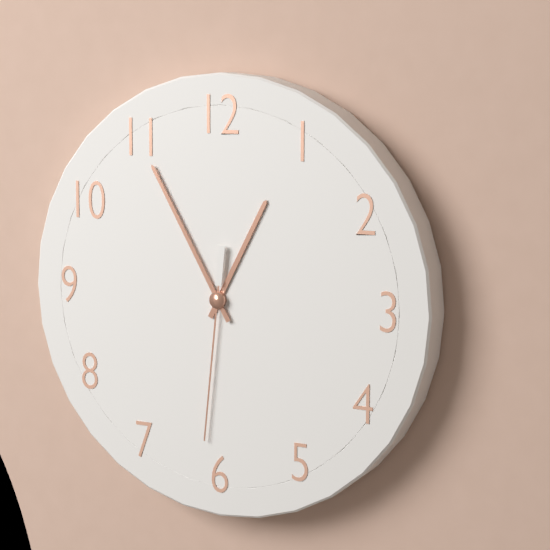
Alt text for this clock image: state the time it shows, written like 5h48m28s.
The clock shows 12h55m31s
